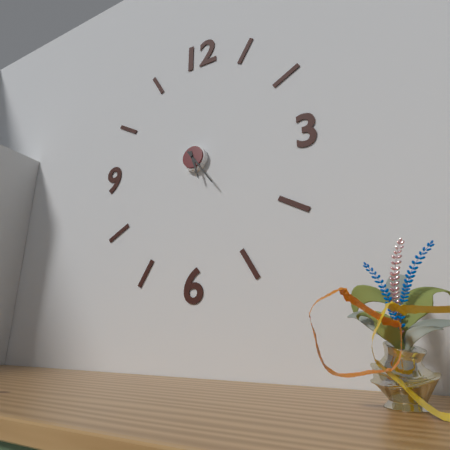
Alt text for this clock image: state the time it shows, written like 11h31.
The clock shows 5h24
